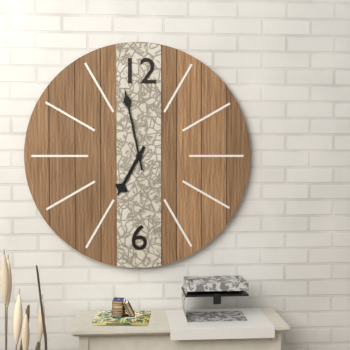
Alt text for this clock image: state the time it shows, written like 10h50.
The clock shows 6h58
